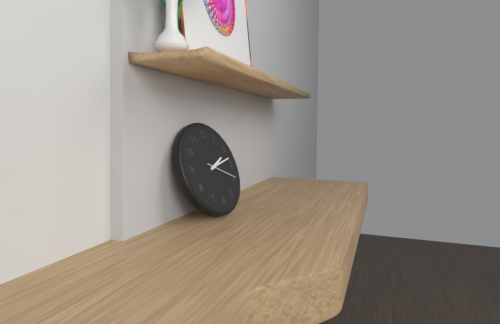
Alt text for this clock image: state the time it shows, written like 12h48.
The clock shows 2h13
